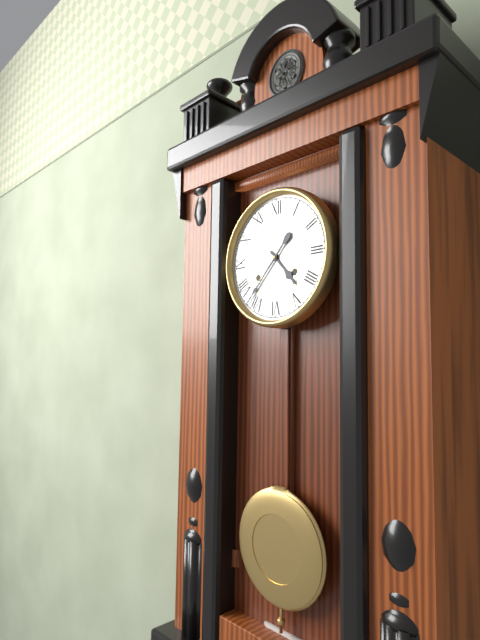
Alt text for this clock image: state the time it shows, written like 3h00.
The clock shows 4h37
